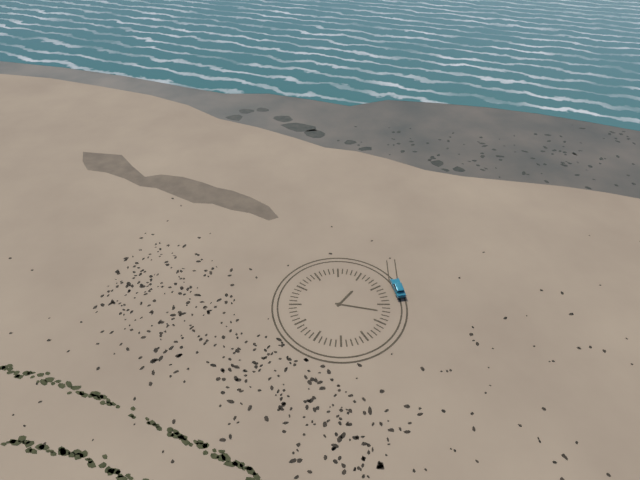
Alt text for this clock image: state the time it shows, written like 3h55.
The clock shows 1h17
